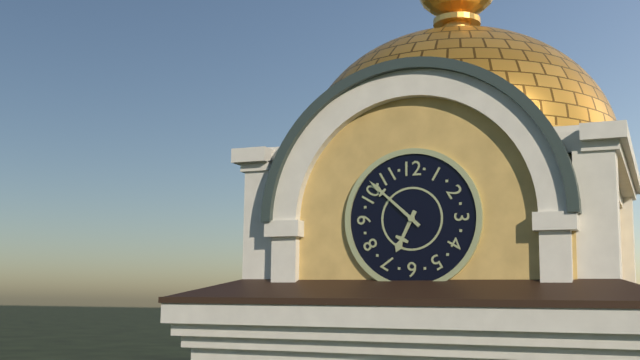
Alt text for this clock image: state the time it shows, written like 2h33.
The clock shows 6h52
